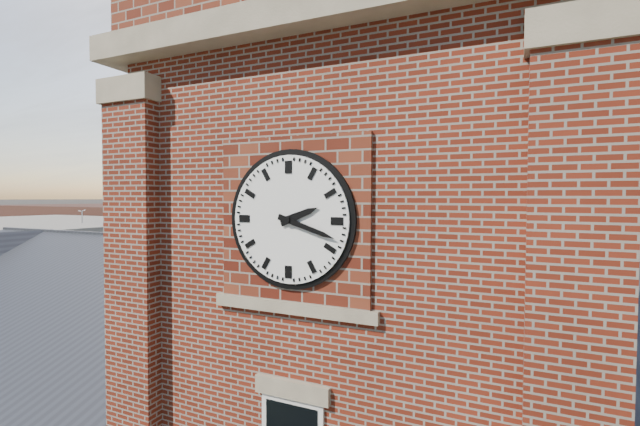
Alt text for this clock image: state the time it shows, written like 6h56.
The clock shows 2h18
